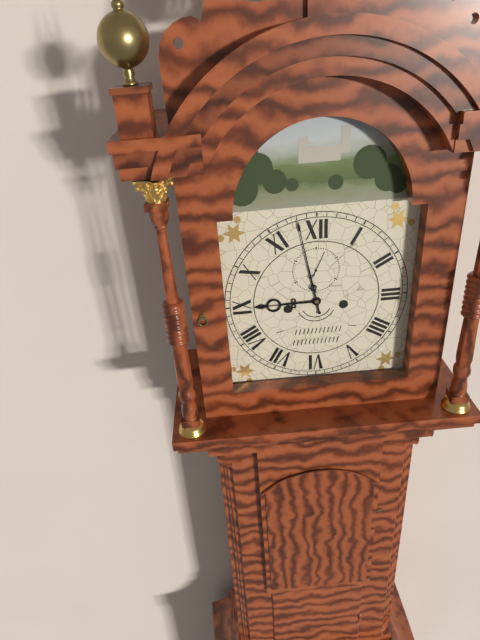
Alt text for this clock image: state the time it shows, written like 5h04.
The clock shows 8h58
